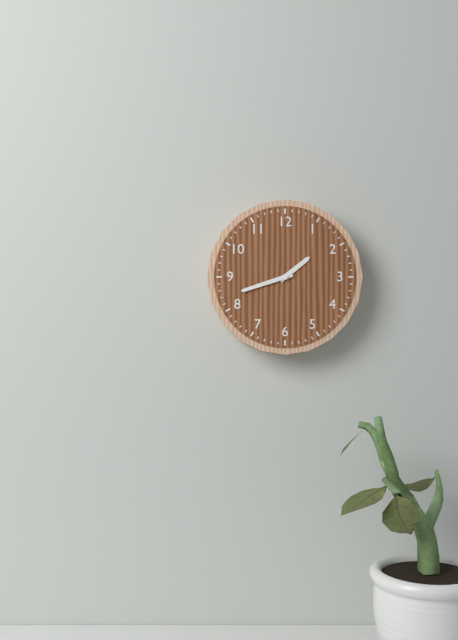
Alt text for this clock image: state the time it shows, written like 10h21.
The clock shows 1h42
